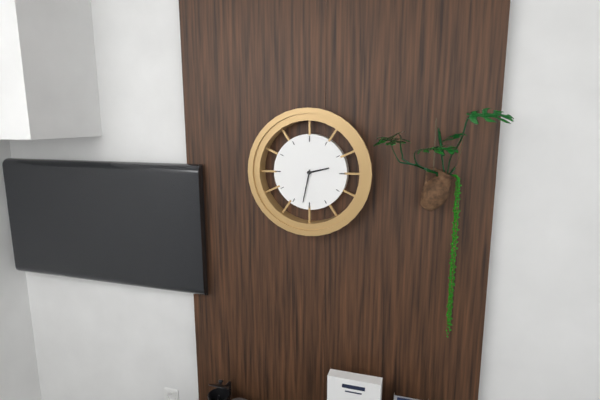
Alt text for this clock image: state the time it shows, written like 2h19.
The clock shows 2h32
